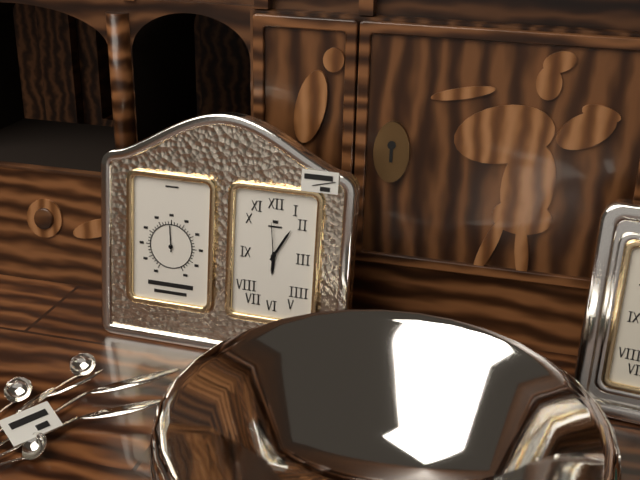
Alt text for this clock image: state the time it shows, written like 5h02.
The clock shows 6h05
